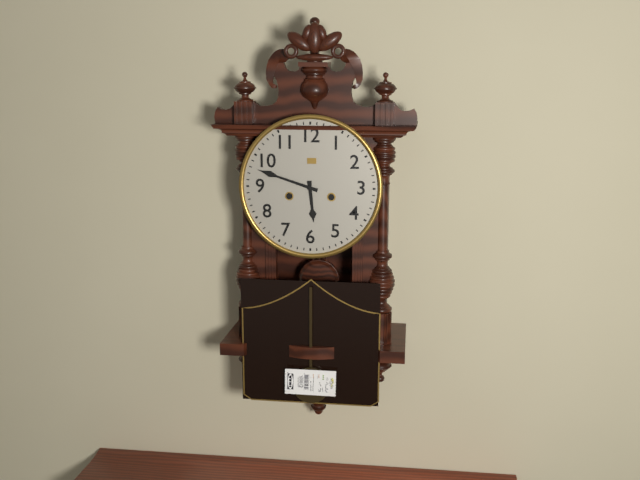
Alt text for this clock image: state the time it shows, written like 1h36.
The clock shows 5h48
